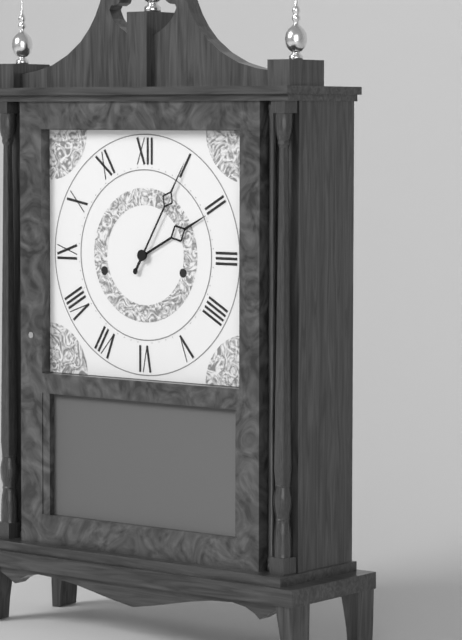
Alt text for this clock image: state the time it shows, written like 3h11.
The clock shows 2h05
